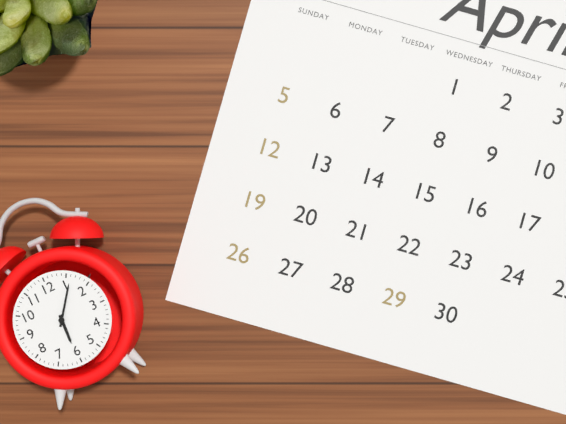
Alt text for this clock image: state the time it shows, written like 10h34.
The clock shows 6h06
